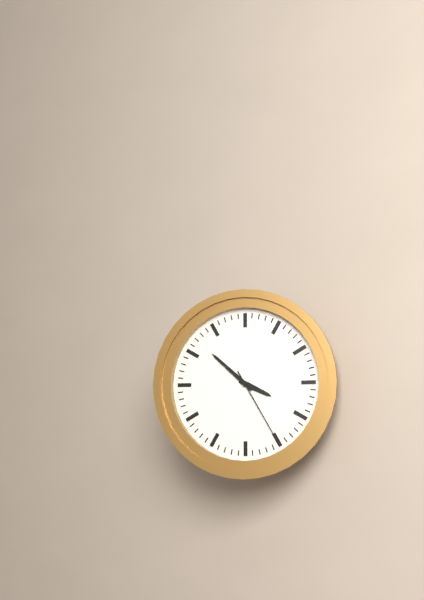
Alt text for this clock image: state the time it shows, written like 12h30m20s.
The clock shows 3h52m25s
